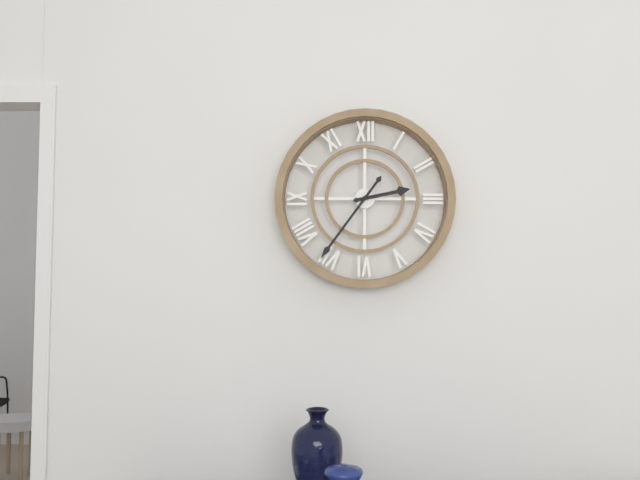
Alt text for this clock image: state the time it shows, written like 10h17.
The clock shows 2h36
